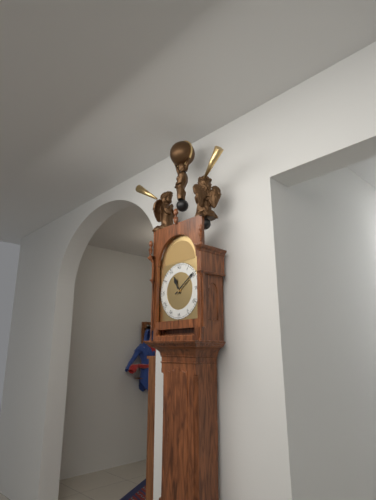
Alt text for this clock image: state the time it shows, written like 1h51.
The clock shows 11h09
